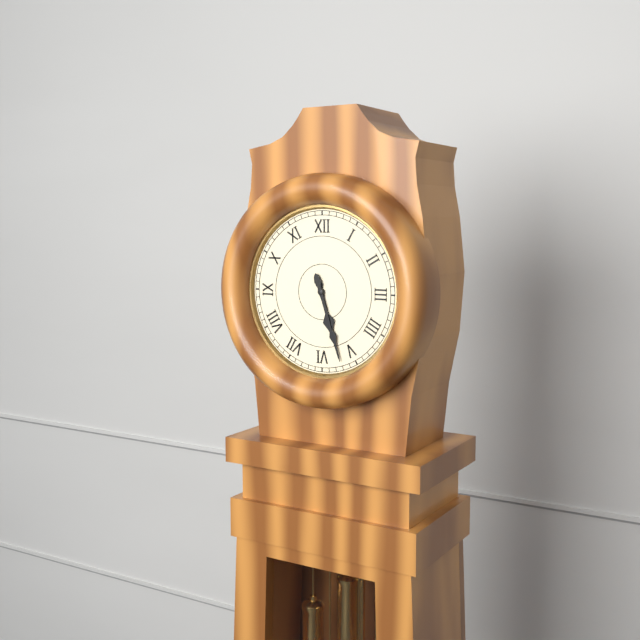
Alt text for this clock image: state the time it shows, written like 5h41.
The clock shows 5h27
